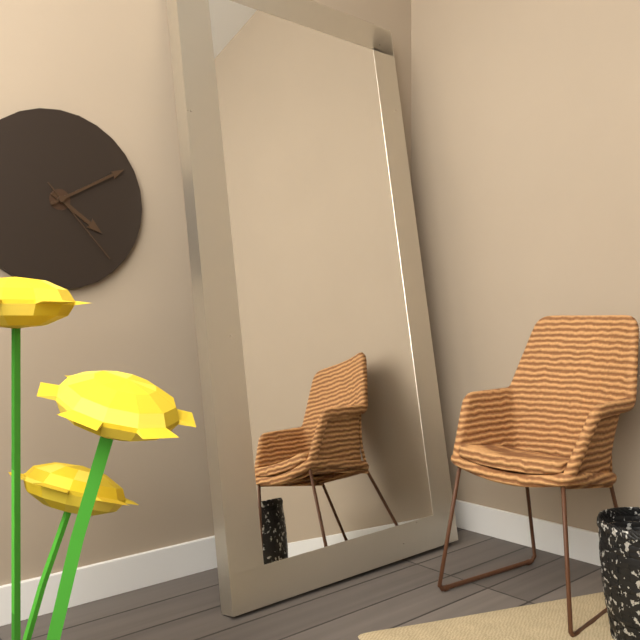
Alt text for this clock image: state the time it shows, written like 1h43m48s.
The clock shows 4h10m23s
